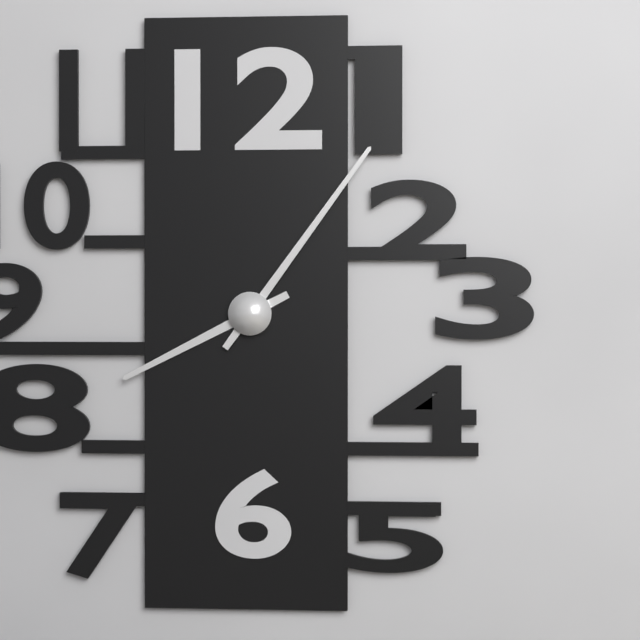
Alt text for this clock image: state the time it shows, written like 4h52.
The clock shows 8h06
